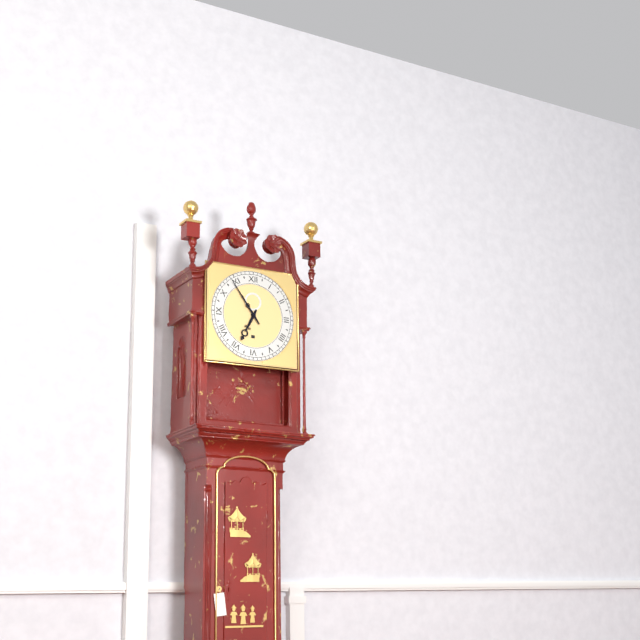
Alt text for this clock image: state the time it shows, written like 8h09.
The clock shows 6h54
